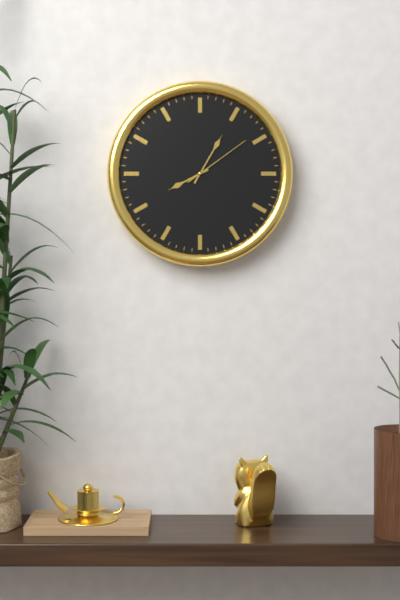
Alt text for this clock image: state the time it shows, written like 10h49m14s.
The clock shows 8h05m09s
